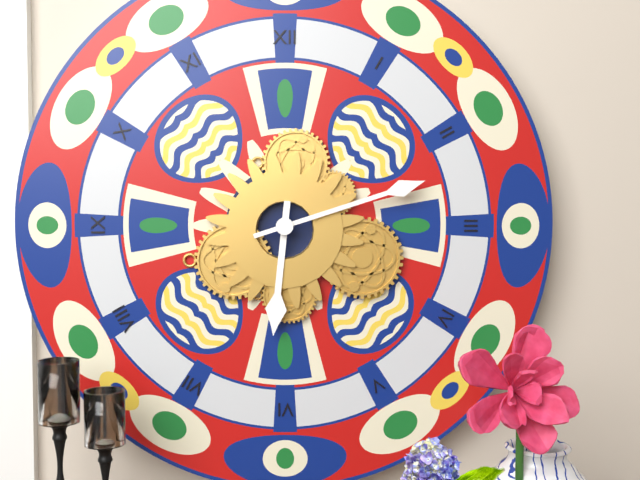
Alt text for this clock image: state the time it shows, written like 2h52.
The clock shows 6h12
